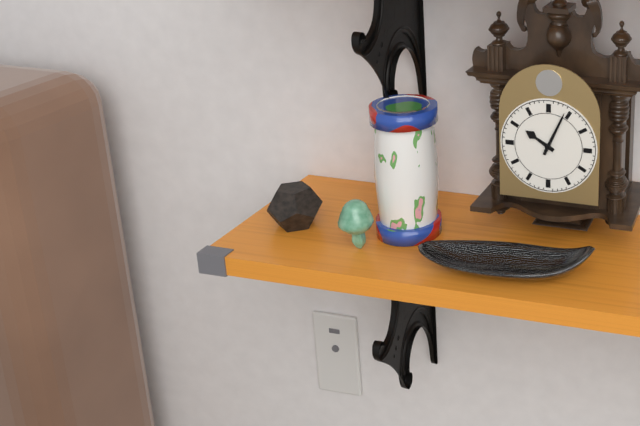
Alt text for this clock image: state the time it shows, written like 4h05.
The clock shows 10h04
